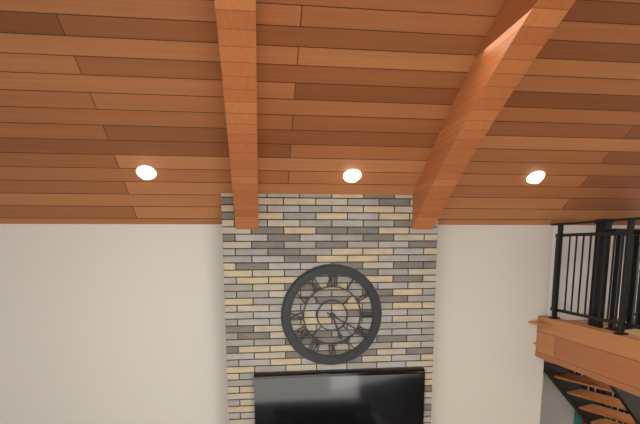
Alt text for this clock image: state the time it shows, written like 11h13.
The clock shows 5h20
